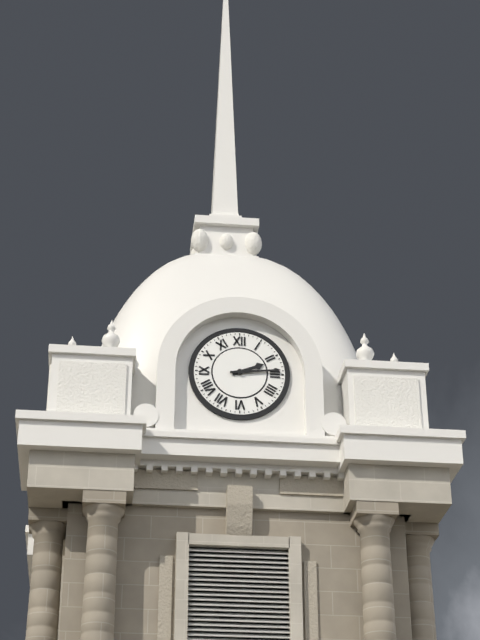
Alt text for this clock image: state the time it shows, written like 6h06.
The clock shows 2h14
